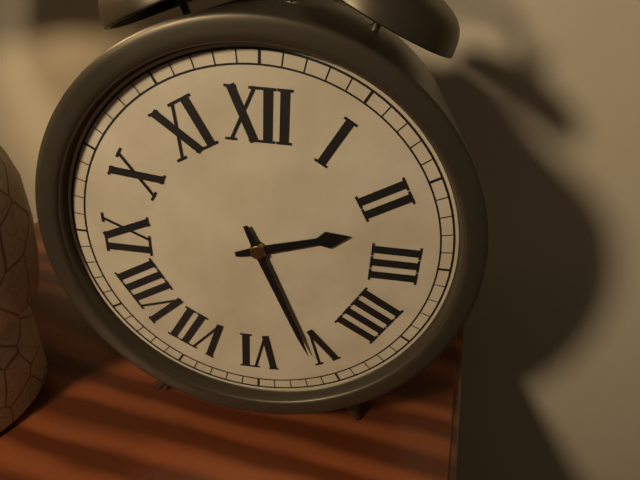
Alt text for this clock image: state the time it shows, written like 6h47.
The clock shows 2h26
